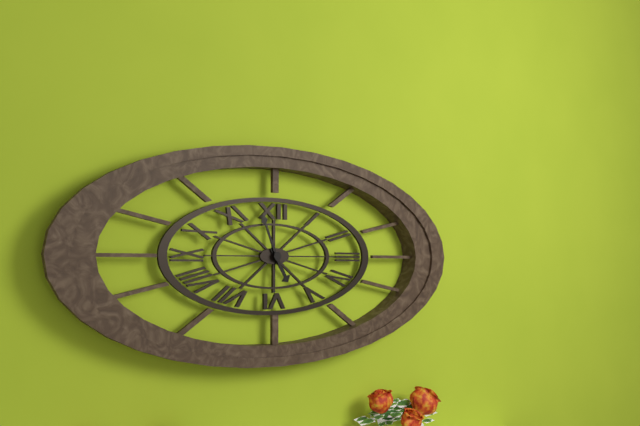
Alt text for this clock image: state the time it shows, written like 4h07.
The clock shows 4h56
